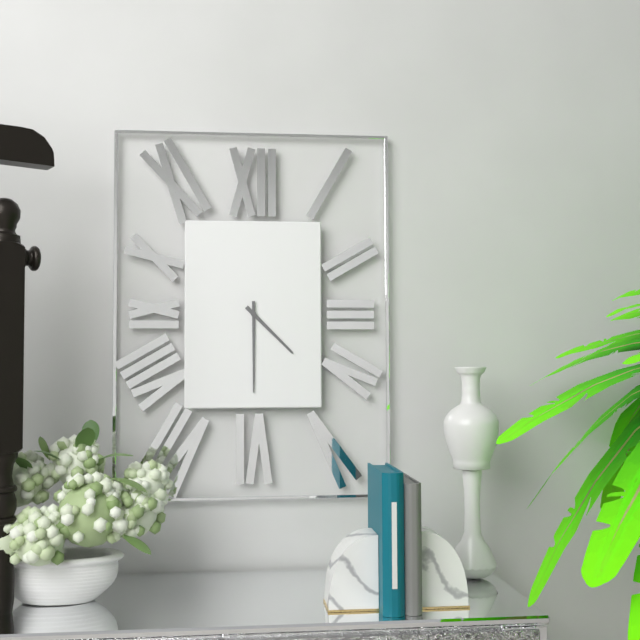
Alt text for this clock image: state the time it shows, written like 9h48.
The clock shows 4h30
